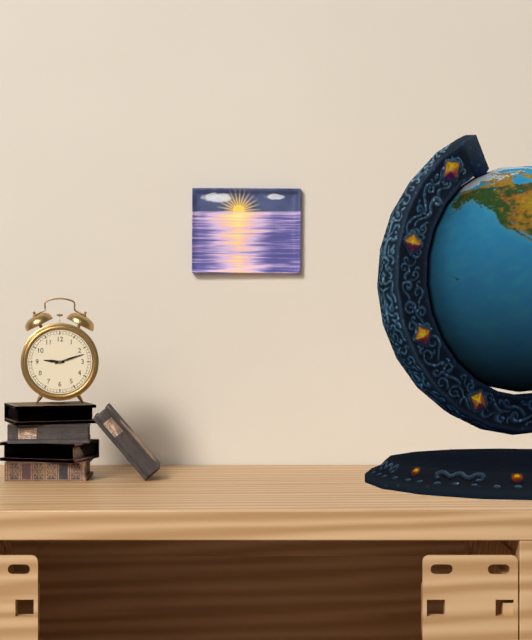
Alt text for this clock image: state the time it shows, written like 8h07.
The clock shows 9h12
